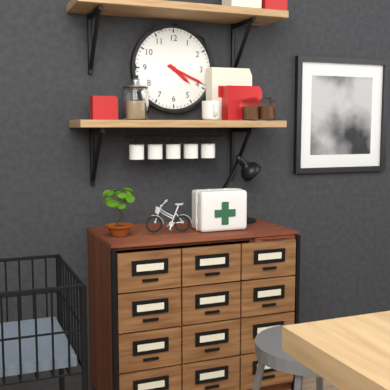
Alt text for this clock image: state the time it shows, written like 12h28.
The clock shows 4h19
